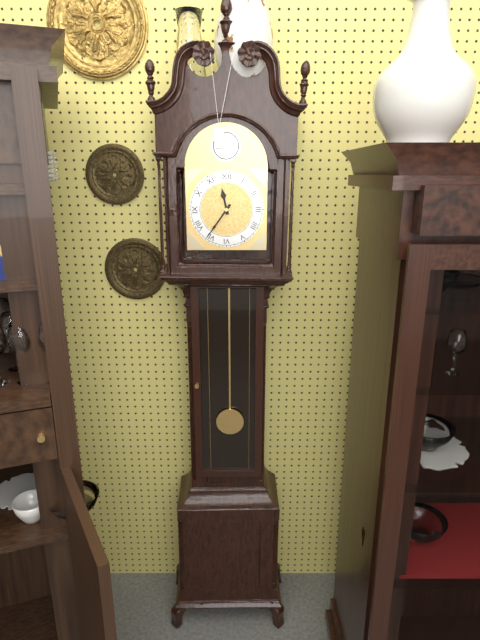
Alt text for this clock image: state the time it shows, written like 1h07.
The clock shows 11h36
